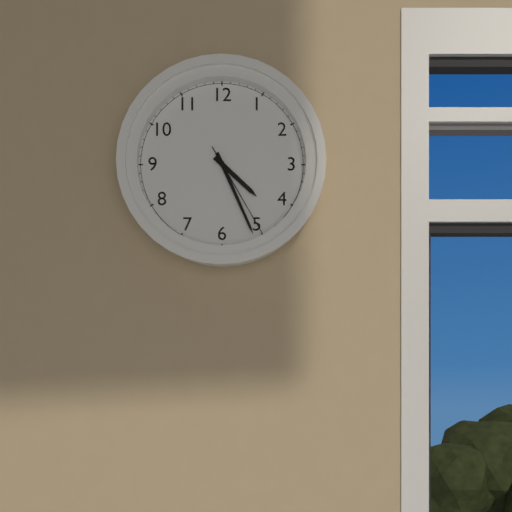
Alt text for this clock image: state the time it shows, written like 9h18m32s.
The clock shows 4h26m25s
